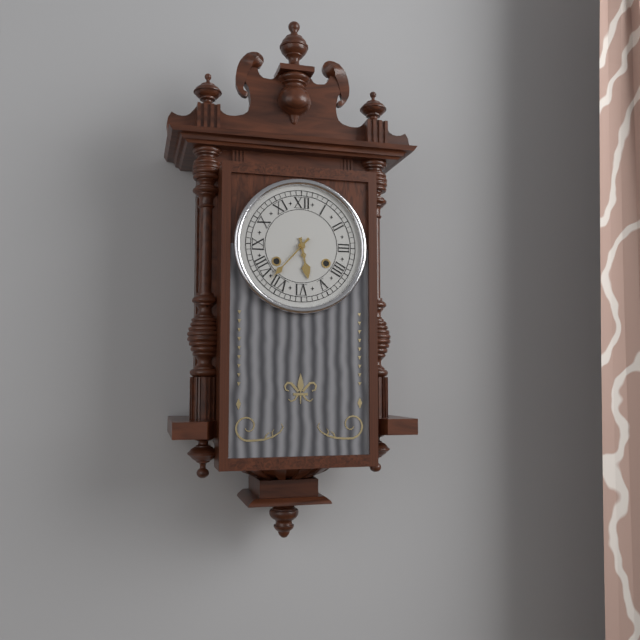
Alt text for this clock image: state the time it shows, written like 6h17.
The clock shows 5h37
